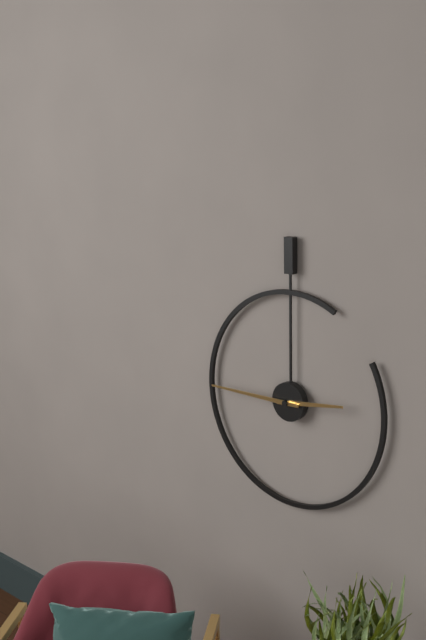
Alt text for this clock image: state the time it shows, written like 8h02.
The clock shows 2h45
